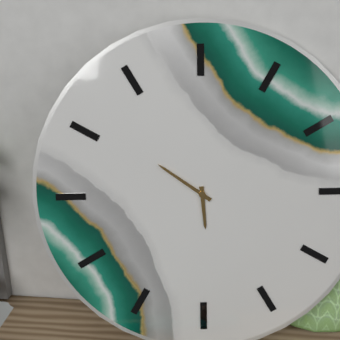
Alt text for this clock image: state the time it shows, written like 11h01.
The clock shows 5h51
